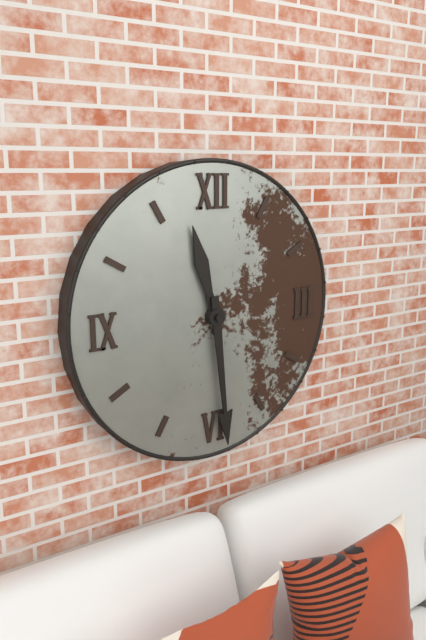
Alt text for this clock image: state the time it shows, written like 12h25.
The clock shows 11h29
